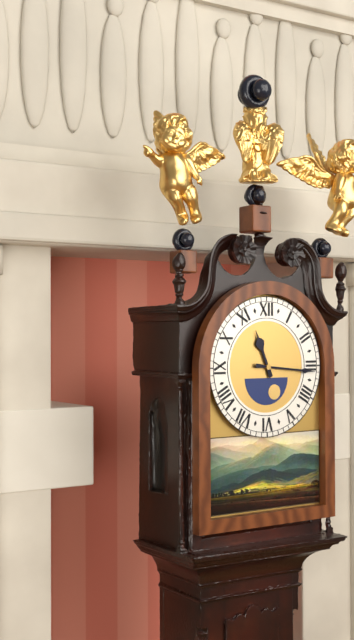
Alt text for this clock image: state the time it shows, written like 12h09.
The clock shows 11h16
